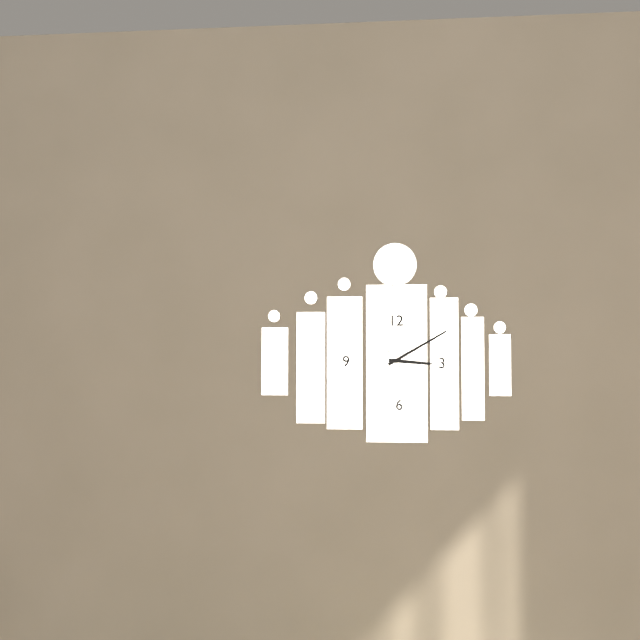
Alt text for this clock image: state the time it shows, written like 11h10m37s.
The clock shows 3h10m54s
